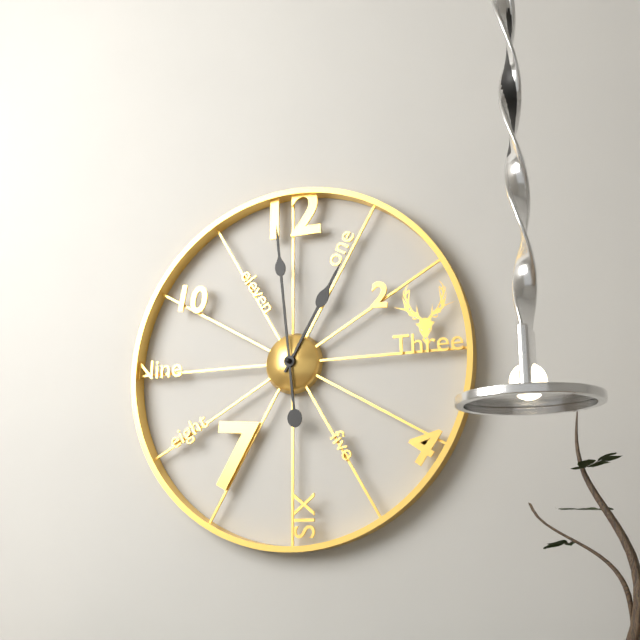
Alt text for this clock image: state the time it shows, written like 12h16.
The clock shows 12h59
